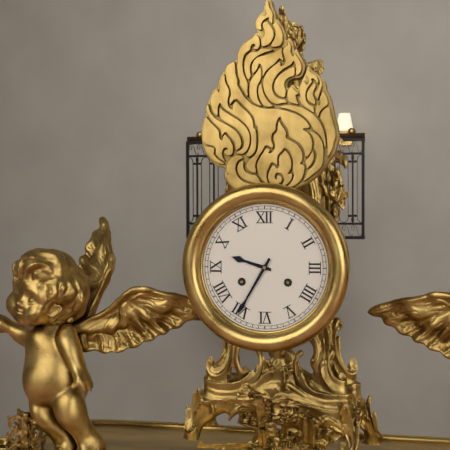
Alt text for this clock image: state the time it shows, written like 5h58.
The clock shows 9h35
